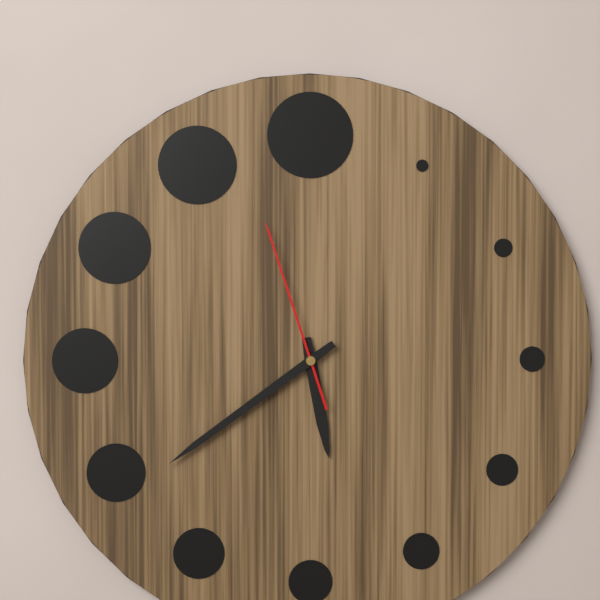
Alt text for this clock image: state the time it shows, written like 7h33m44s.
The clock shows 5h39m57s
